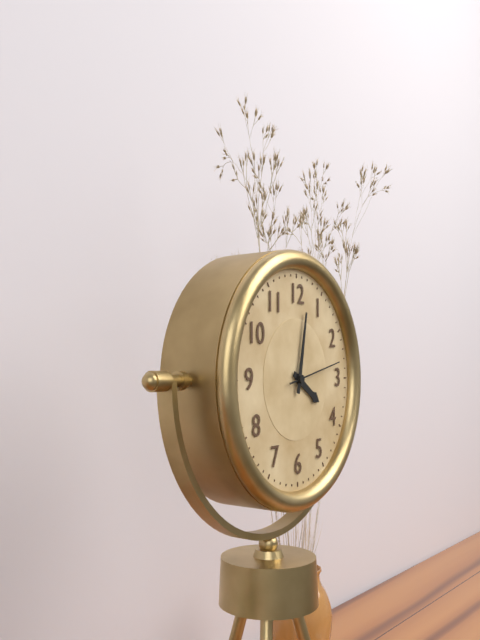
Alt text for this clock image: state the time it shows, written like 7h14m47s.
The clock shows 4h02m13s
